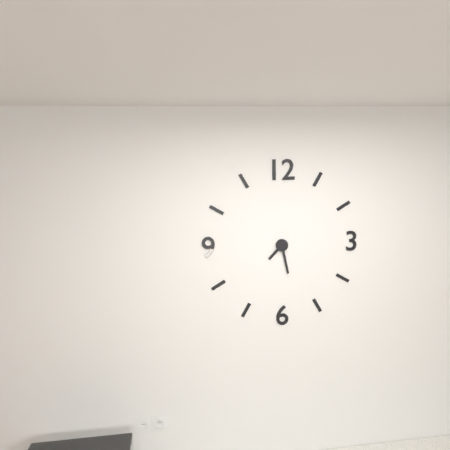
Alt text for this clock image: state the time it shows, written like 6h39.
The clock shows 7h28
